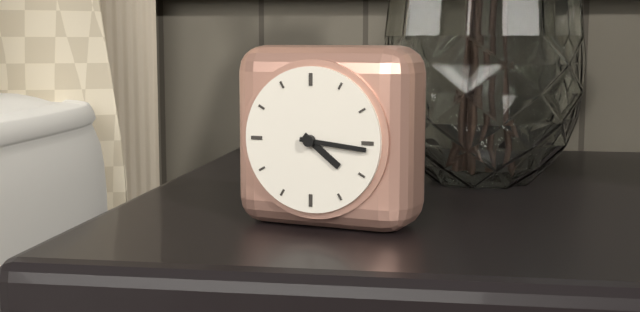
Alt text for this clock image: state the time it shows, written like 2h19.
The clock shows 4h16
